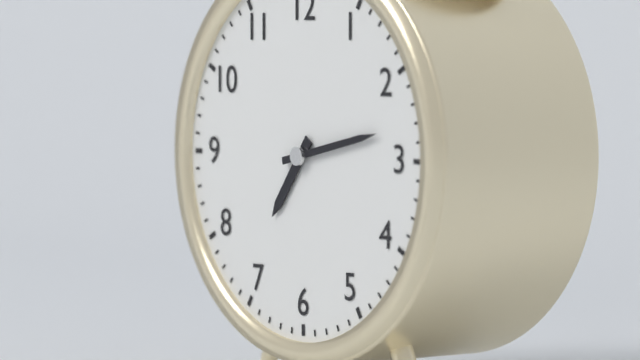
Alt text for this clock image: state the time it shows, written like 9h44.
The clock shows 7h13
